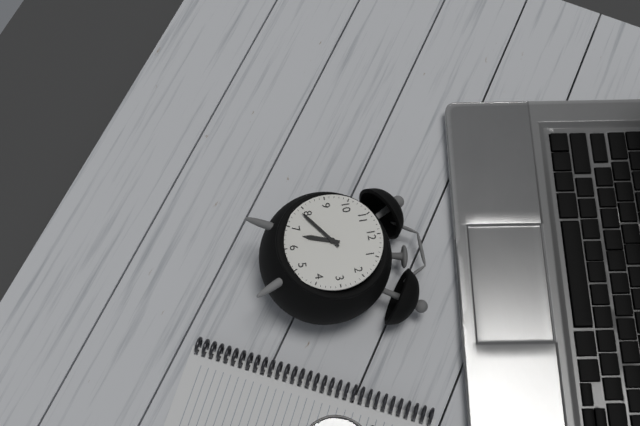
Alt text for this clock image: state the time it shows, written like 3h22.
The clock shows 6h39
